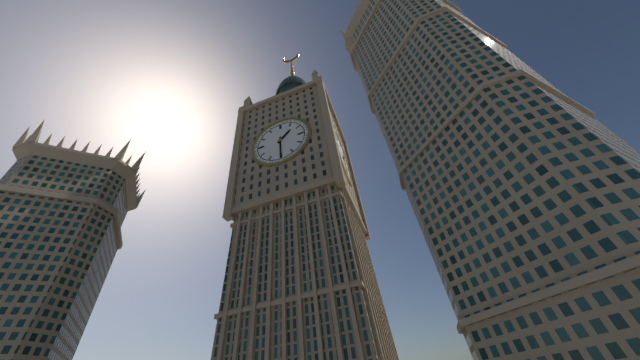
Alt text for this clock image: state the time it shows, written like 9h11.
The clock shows 1h30
